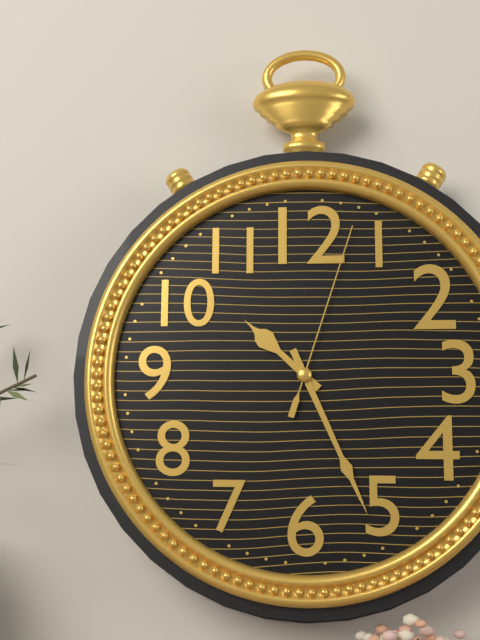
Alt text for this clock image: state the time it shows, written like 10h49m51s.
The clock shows 10h26m03s
